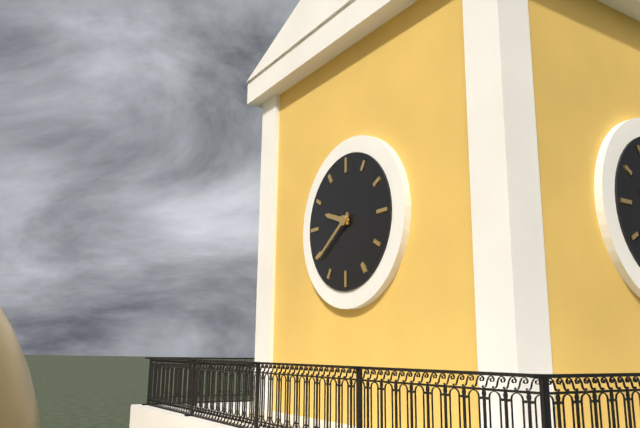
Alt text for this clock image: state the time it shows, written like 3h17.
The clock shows 9h39
